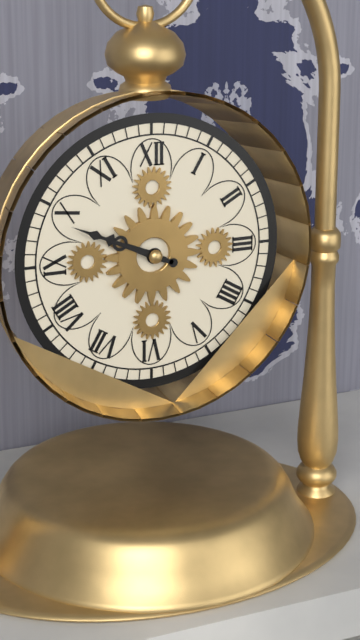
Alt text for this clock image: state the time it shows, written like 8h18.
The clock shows 9h49
